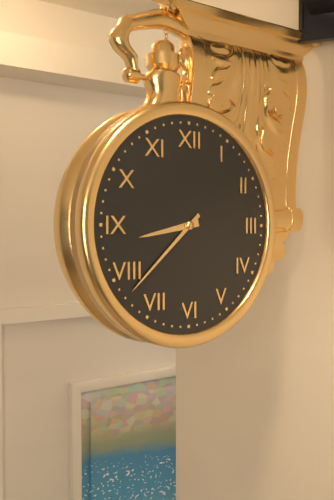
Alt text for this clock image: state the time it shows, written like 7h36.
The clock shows 8h38
